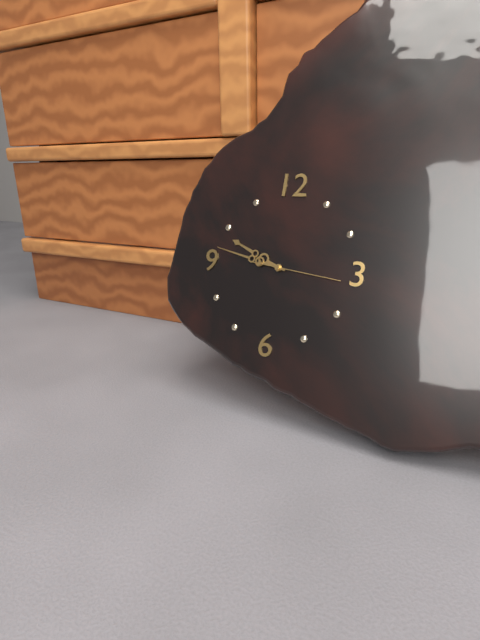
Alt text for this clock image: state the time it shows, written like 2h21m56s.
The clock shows 9h47m16s
